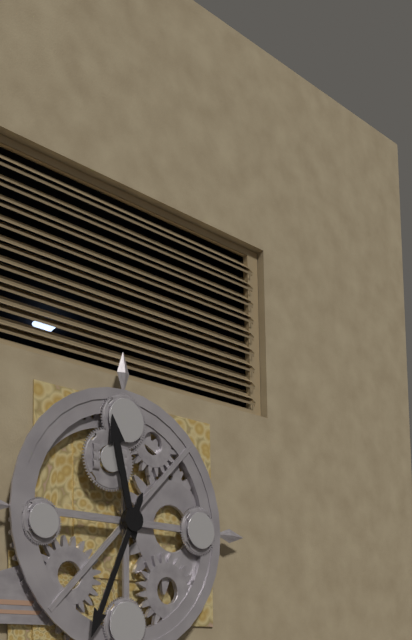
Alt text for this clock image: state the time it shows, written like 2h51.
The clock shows 11h34
